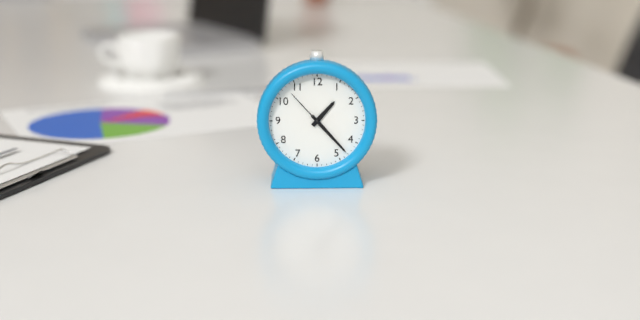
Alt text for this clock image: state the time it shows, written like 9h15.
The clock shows 1h23
